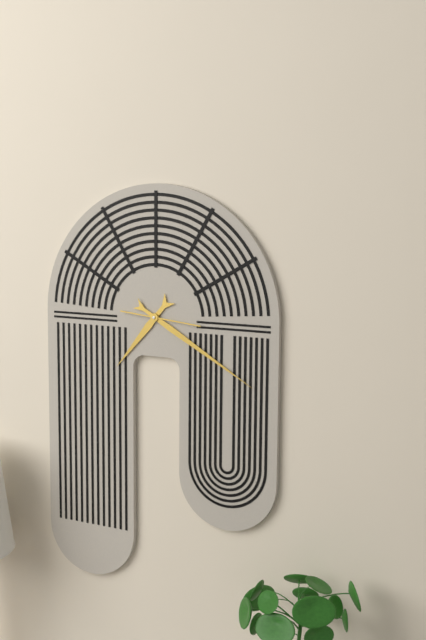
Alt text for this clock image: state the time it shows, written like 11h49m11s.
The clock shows 7h20m16s
